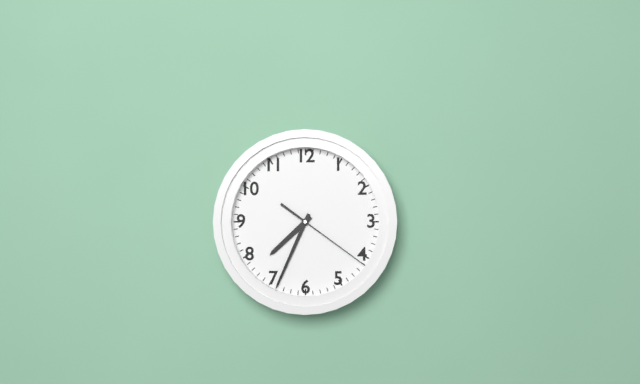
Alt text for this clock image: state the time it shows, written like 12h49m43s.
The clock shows 7h34m21s
